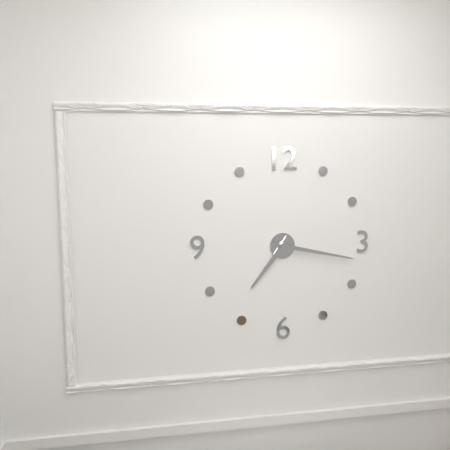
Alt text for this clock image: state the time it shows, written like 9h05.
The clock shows 7h17
